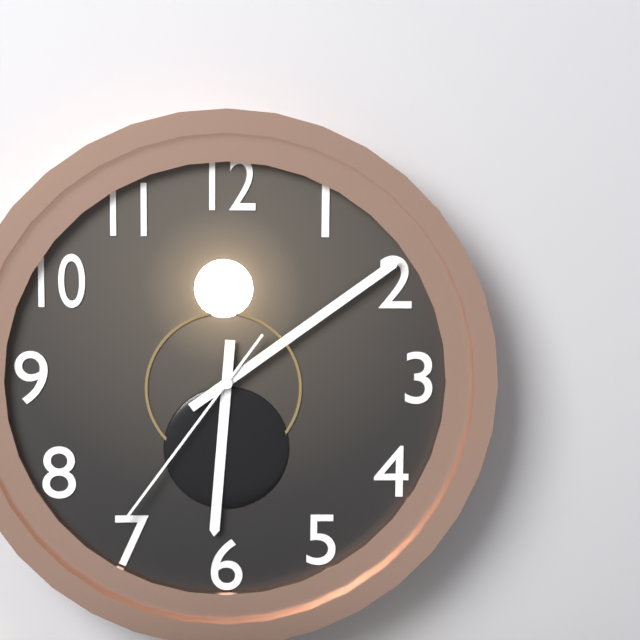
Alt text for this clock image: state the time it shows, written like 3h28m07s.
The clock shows 6h09m36s
